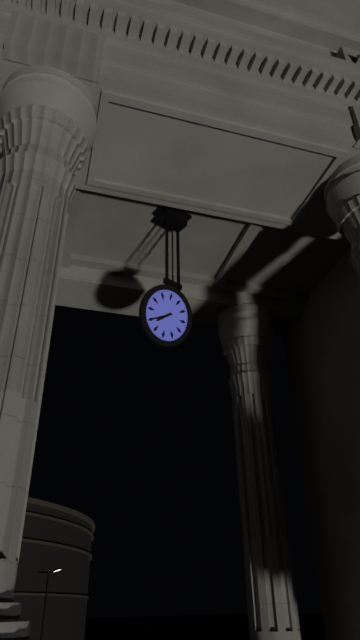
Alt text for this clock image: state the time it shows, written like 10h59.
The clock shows 7h40
